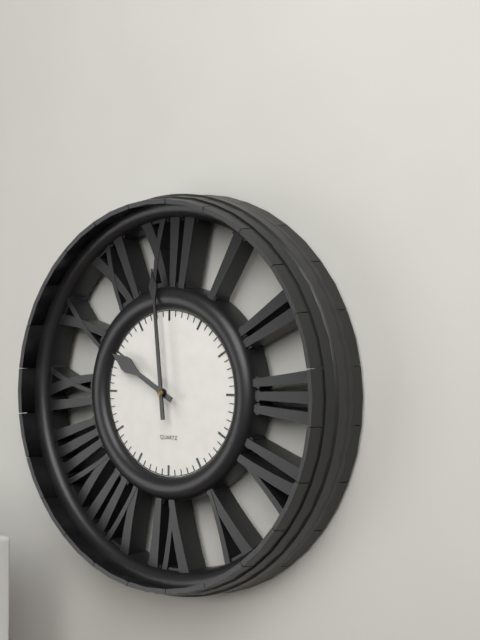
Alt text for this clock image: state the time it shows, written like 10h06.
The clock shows 9h59
